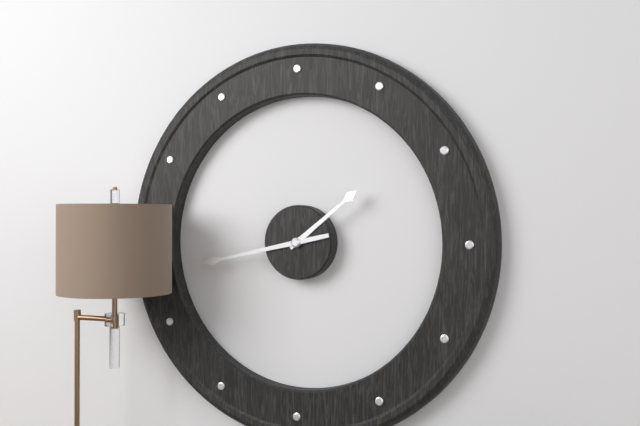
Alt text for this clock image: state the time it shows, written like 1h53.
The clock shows 1h43
